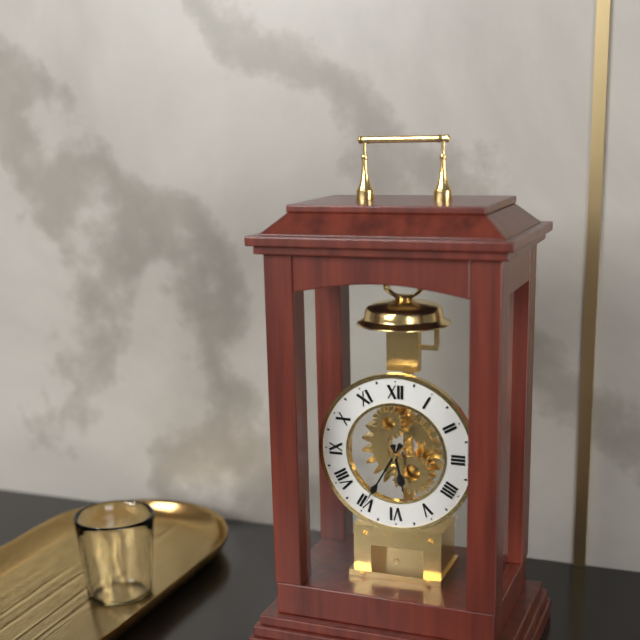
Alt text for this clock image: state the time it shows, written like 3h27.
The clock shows 5h35
